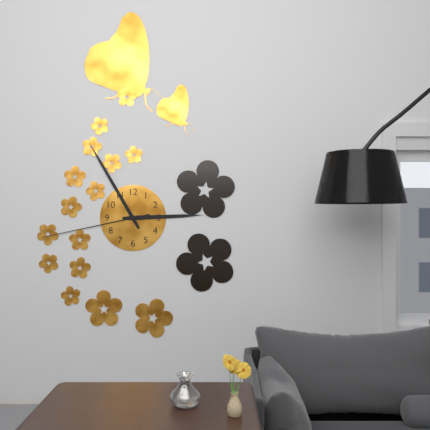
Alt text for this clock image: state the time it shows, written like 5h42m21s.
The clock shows 2h55m43s
